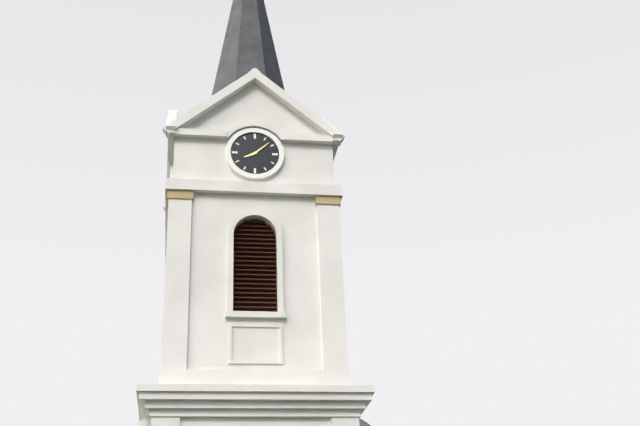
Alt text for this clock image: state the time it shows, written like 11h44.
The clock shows 8h08
